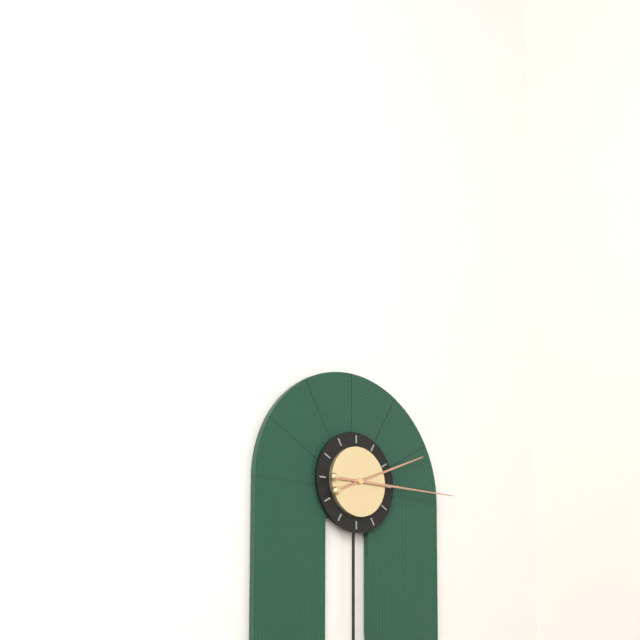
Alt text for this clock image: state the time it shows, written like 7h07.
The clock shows 2h15
